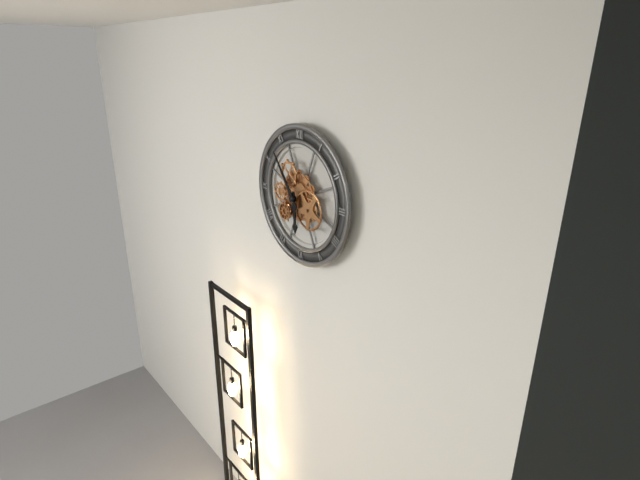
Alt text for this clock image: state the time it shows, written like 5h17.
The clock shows 5h54
